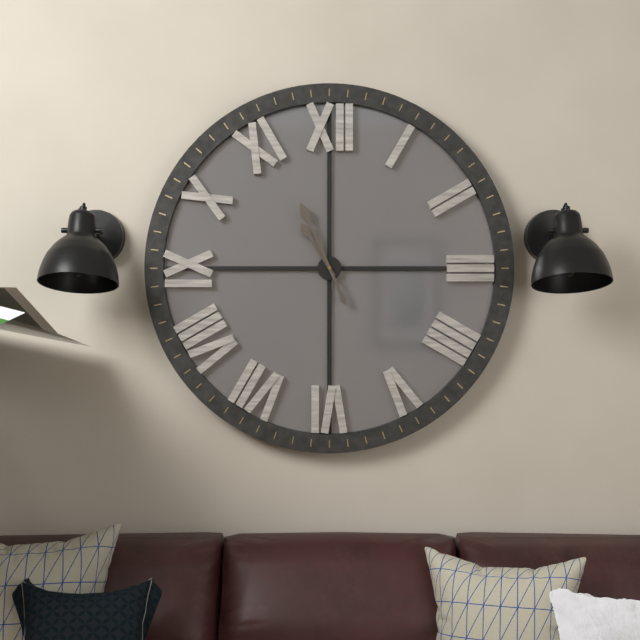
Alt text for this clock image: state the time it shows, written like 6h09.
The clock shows 10h56
